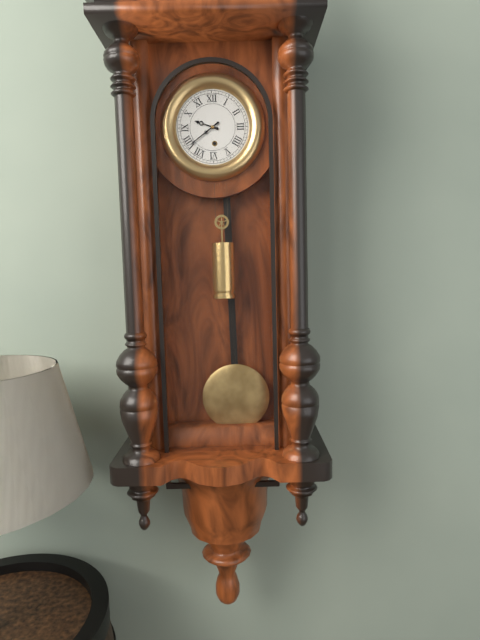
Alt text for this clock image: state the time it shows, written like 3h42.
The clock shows 9h39
